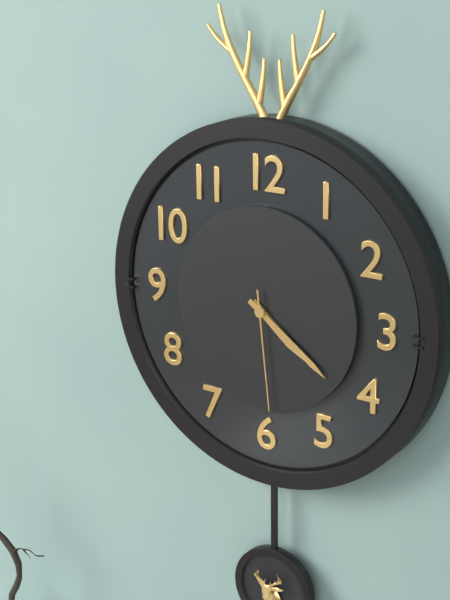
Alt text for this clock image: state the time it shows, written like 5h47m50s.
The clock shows 4h21m29s
